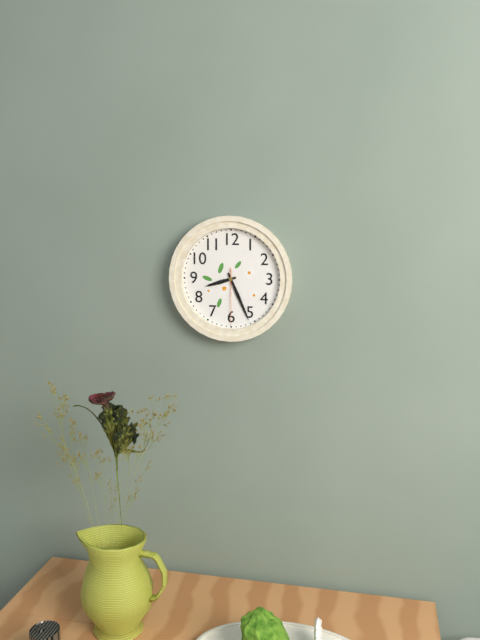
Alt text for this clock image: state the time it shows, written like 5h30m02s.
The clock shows 8h26m30s
